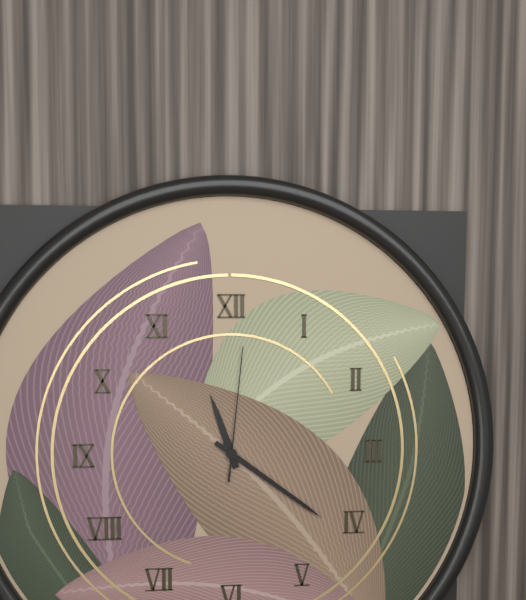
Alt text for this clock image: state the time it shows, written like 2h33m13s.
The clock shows 11h21m01s
